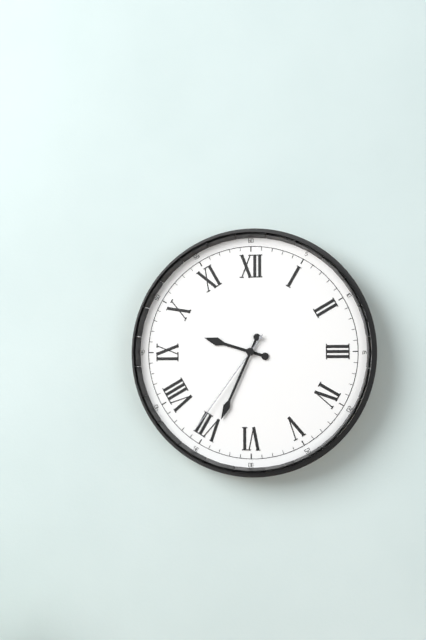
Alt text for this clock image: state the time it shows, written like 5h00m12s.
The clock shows 9h34m36s
